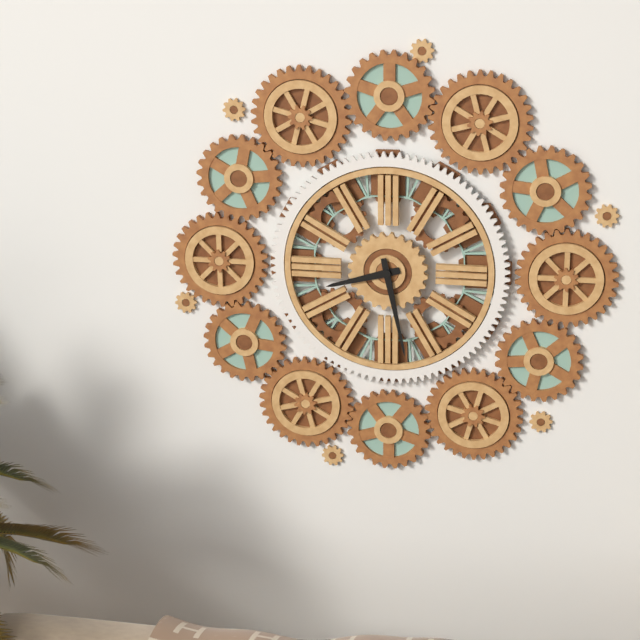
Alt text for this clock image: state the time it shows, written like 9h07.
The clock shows 8h28
